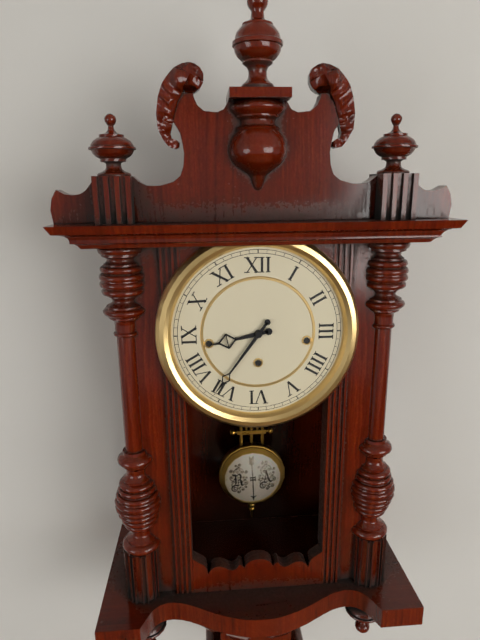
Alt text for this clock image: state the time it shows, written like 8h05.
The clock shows 8h36
